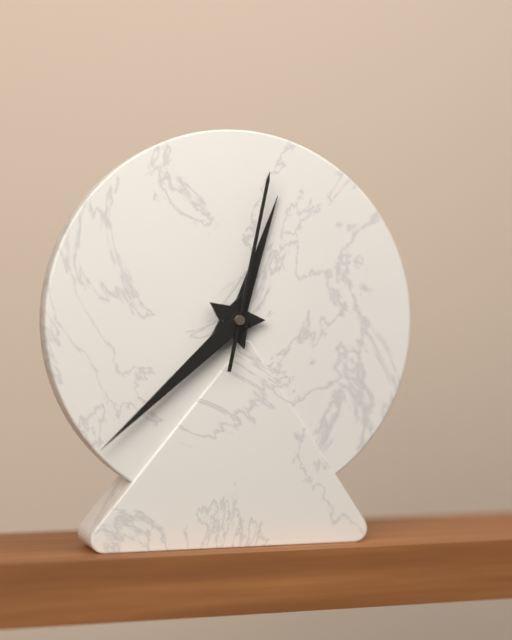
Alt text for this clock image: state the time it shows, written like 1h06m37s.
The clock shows 12h38m02s
